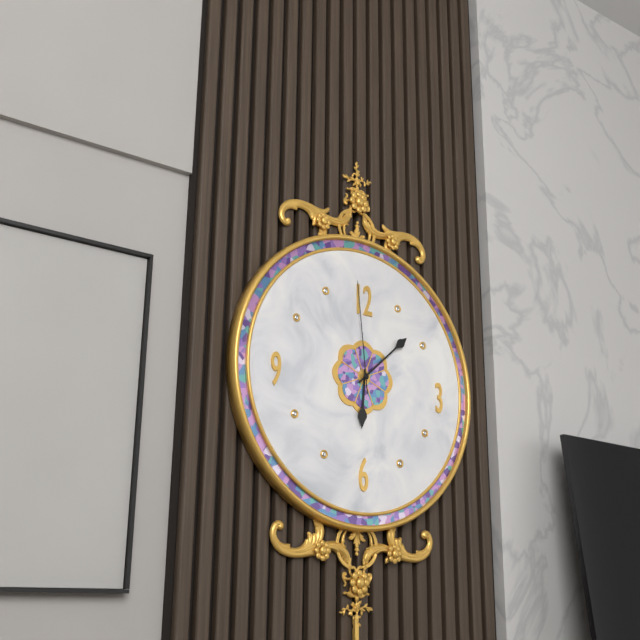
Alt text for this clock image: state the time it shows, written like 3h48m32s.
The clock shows 6h08m59s
